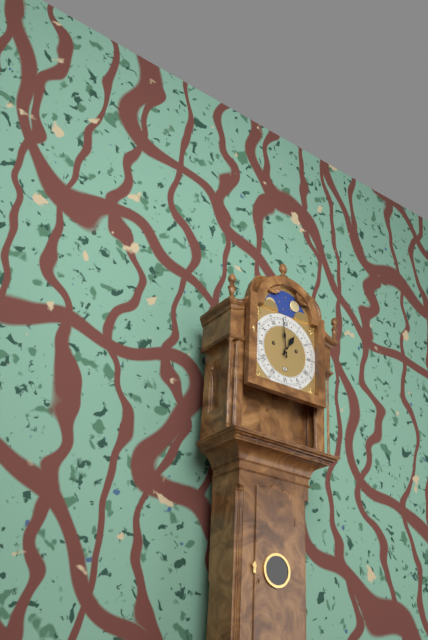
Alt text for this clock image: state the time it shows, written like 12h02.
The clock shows 12h59
